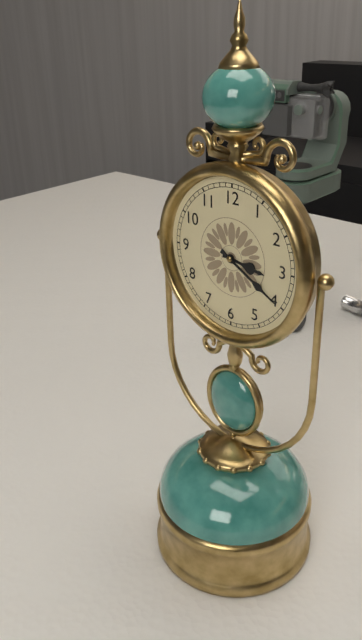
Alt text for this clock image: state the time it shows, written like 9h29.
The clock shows 3h20
